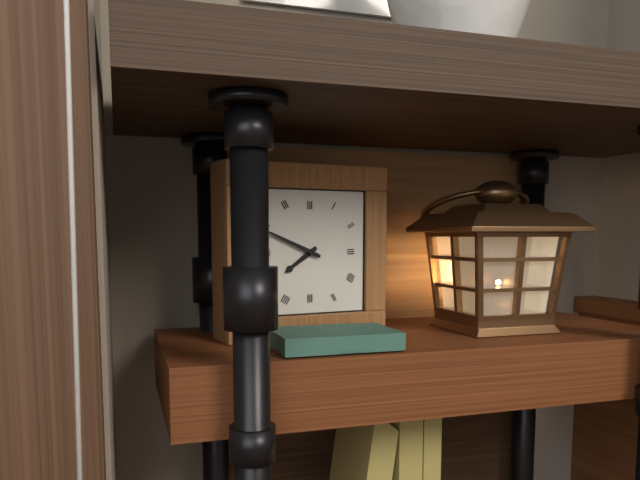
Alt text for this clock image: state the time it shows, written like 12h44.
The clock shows 7h49
